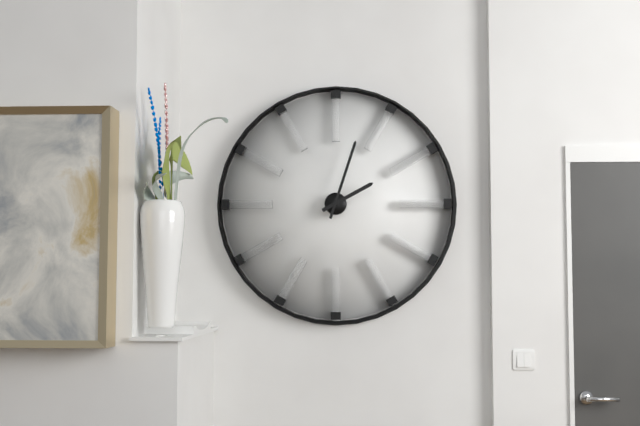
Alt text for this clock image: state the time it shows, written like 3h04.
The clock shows 2h03
